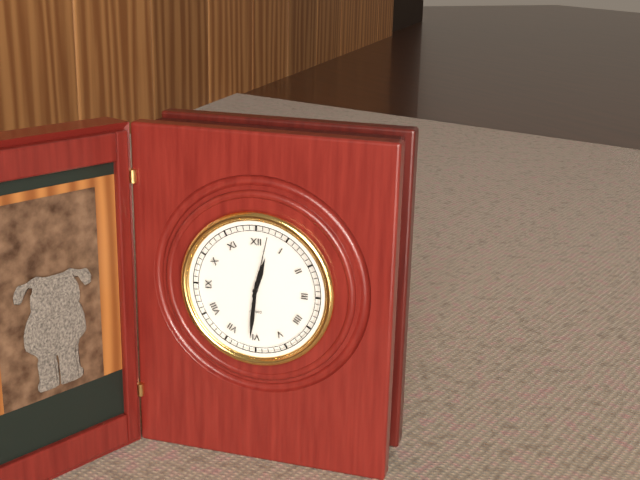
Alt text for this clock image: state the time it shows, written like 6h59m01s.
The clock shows 12h31m02s
